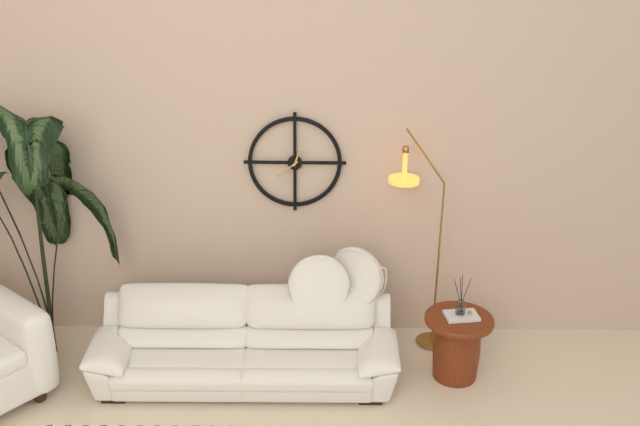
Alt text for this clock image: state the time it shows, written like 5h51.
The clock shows 12h39
